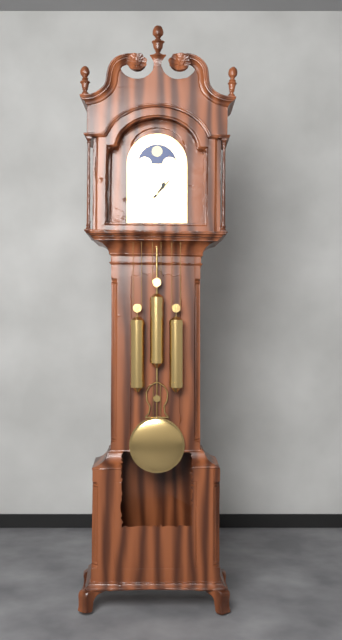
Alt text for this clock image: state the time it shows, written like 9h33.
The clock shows 1h07
